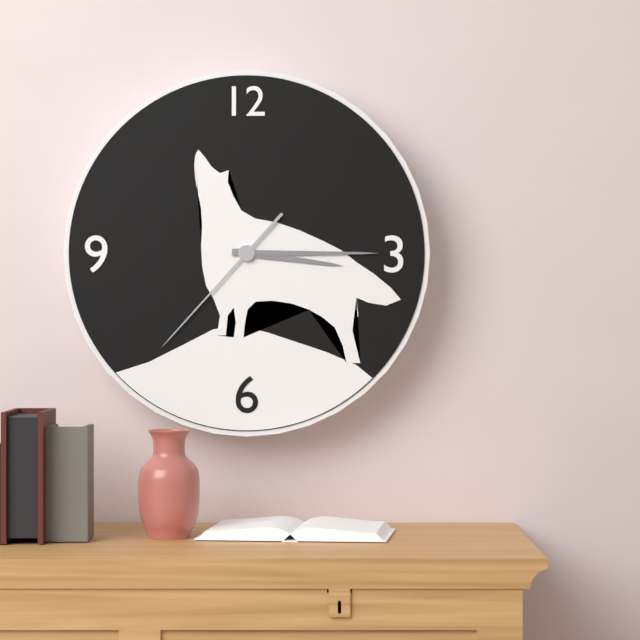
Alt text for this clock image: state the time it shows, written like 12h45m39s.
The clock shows 3h15m37s
